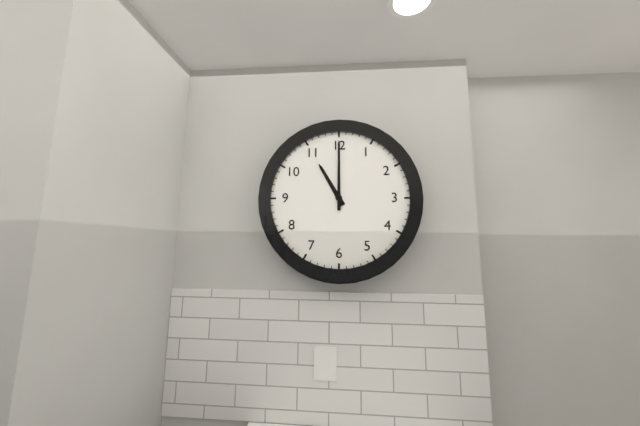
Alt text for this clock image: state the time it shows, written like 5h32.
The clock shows 11h00
